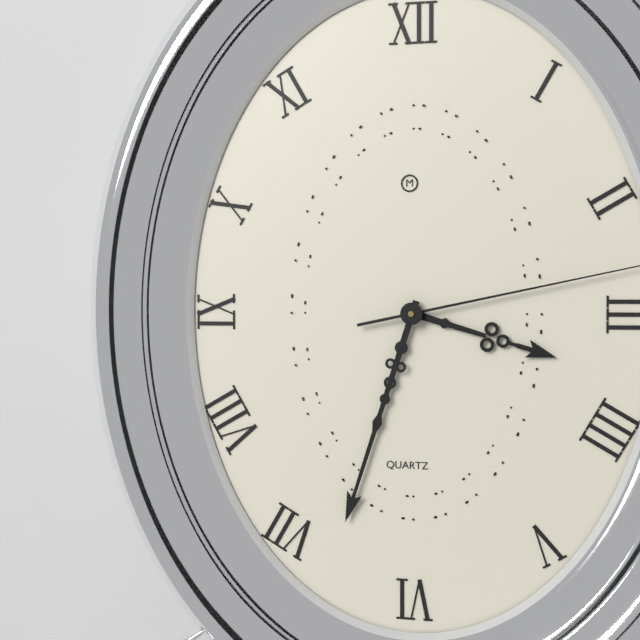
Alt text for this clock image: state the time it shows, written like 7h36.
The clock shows 3h33
